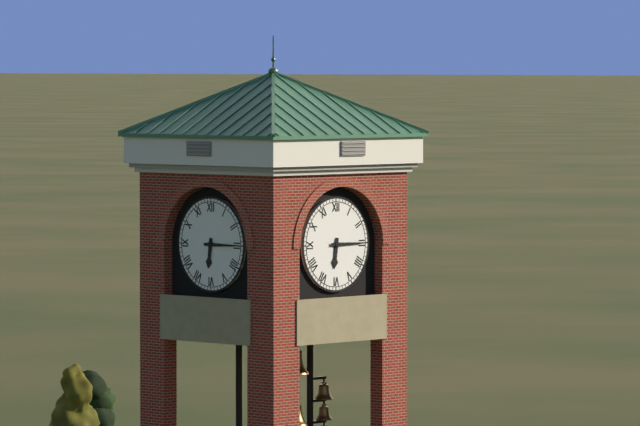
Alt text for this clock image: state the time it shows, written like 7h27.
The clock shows 6h15
